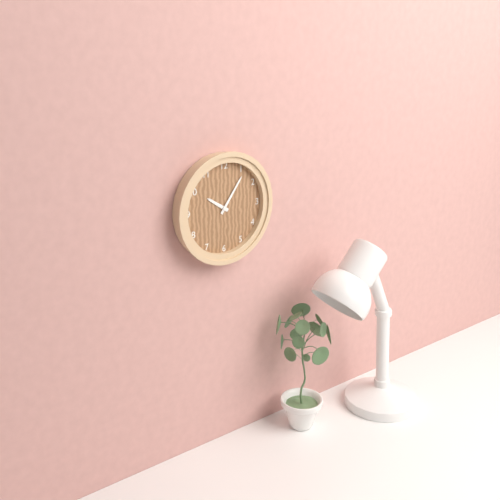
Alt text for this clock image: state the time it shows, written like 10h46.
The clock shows 10h06
